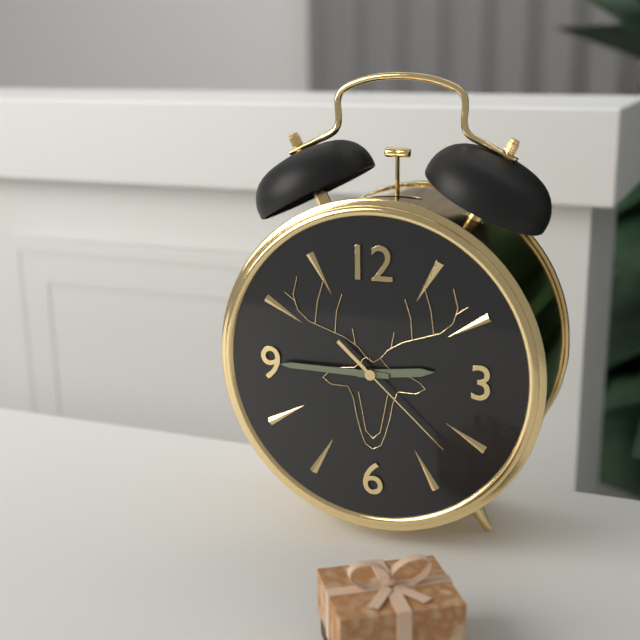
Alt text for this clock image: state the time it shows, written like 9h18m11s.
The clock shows 2h45m22s
